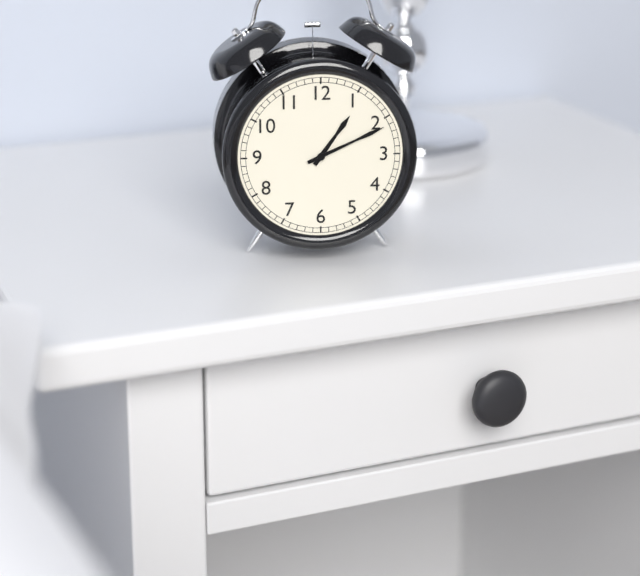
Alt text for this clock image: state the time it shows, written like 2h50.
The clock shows 1h11
